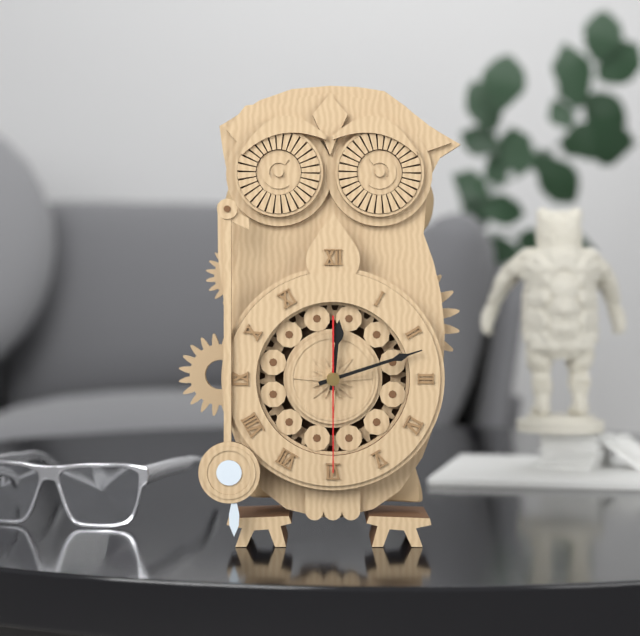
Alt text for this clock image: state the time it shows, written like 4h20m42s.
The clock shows 12h12m30s
